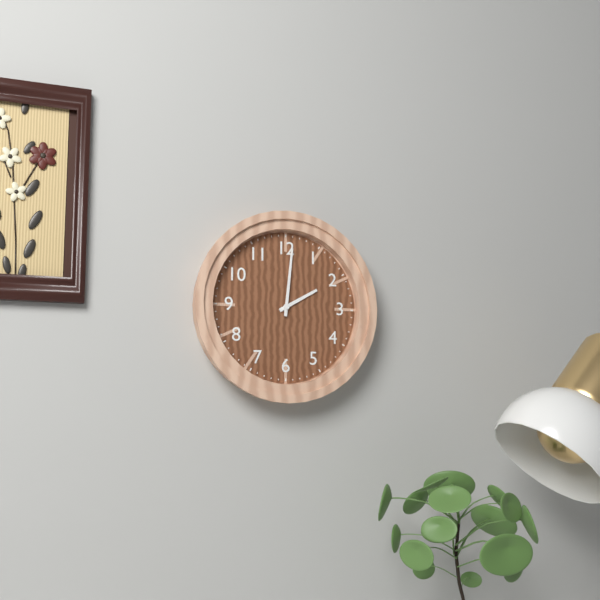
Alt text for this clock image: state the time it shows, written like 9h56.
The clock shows 2h01
